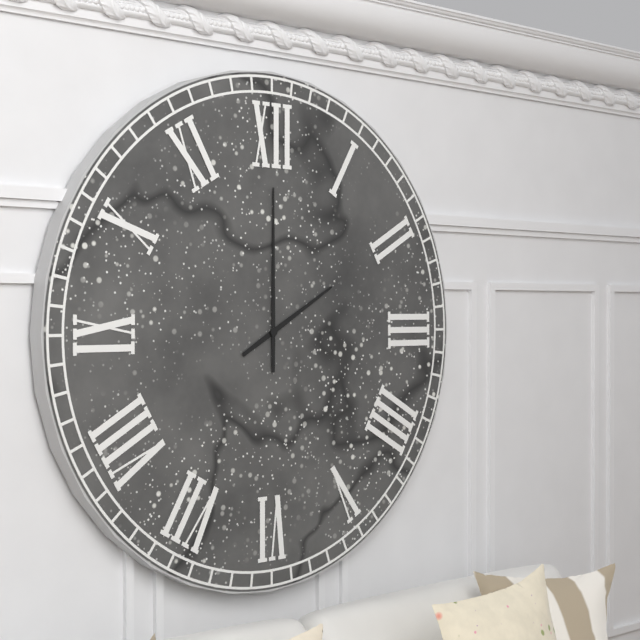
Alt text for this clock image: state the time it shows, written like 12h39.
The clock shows 2h00
